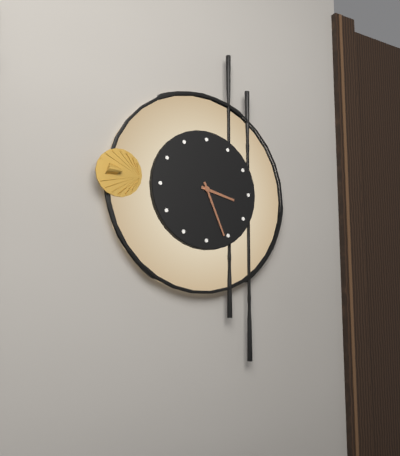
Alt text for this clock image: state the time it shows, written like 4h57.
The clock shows 3h26
